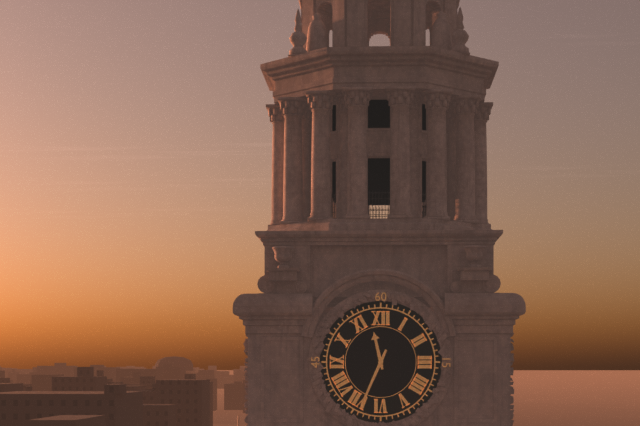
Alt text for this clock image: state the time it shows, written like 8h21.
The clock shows 11h34
